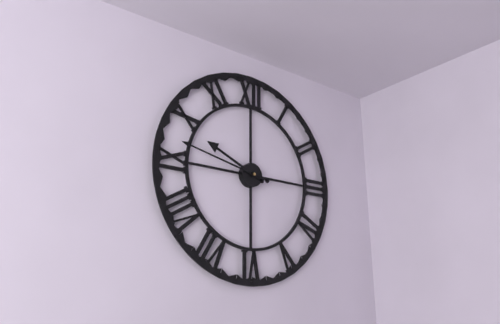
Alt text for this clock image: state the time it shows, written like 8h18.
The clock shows 9h47
